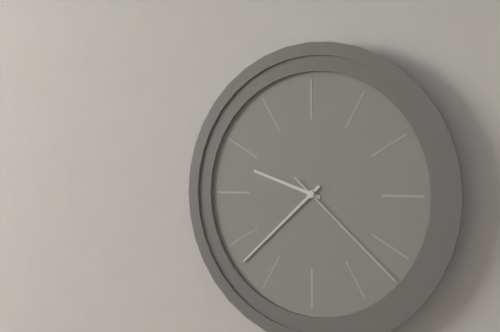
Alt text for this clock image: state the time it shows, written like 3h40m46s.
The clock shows 9h38m22s
